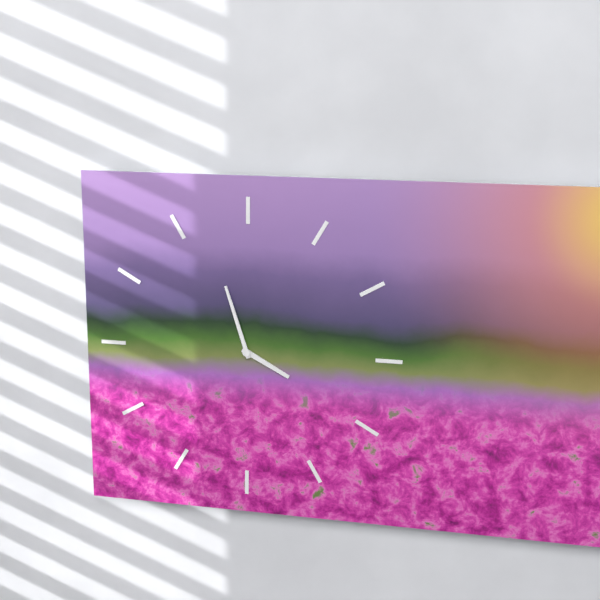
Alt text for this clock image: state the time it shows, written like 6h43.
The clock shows 3h57
